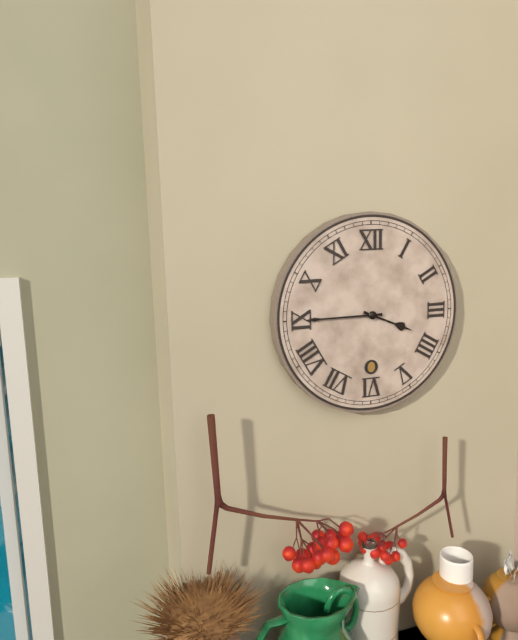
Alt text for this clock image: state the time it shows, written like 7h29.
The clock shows 3h45
